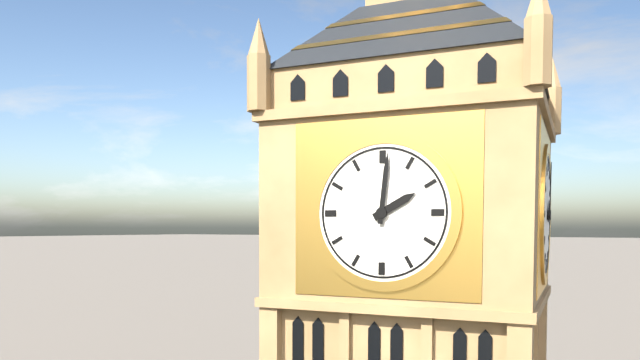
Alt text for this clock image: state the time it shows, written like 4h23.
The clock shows 2h01
